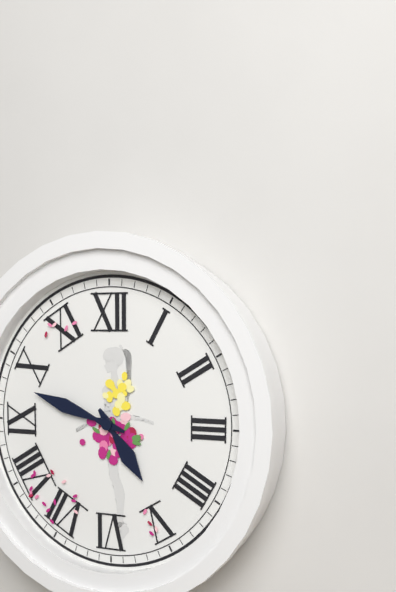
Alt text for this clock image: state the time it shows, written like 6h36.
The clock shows 4h48
